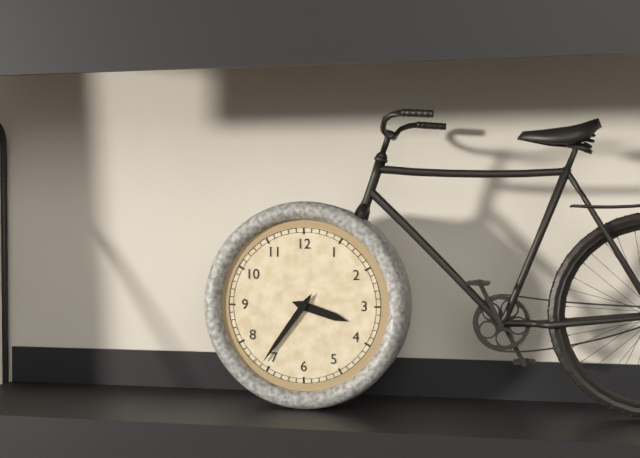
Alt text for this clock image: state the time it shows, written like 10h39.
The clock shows 3h36
